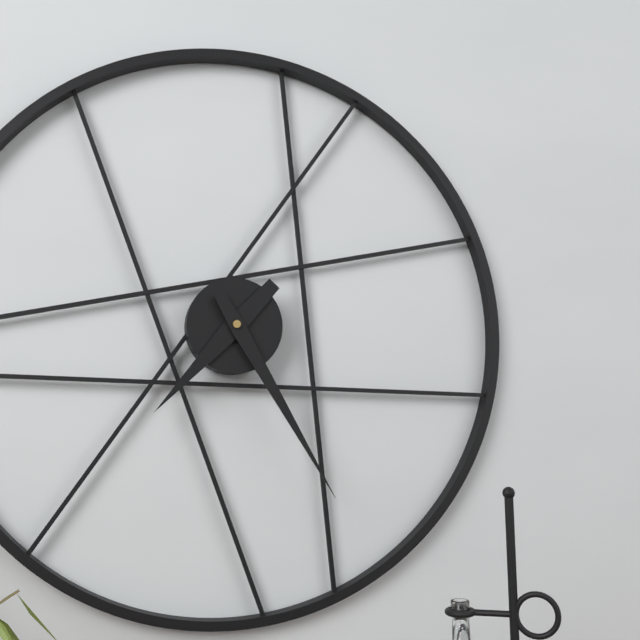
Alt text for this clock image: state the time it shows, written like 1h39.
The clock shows 7h25
